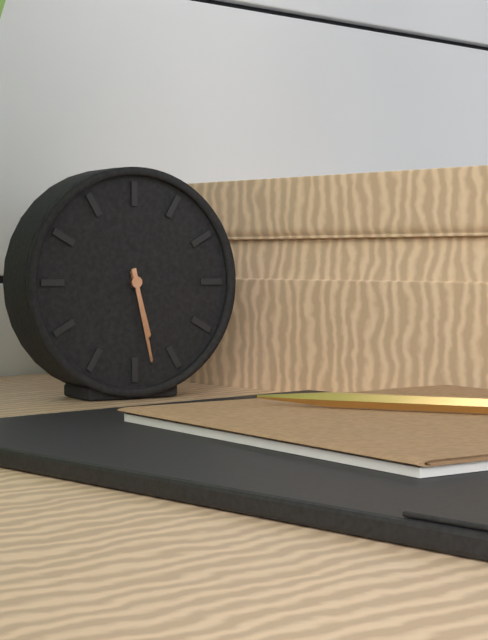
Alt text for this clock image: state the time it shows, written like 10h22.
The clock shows 5h28
